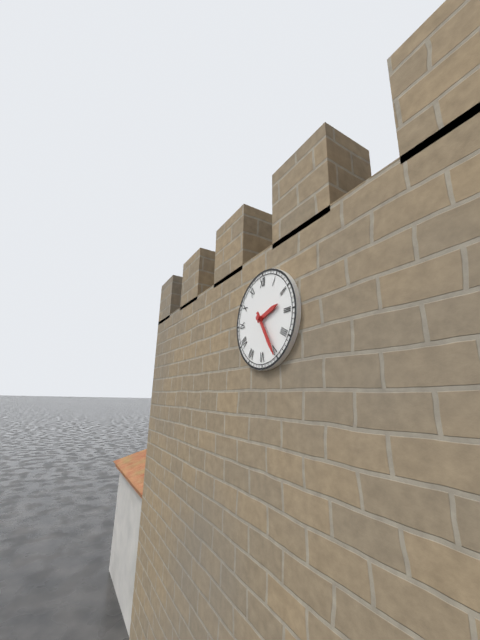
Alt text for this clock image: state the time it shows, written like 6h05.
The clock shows 2h25
